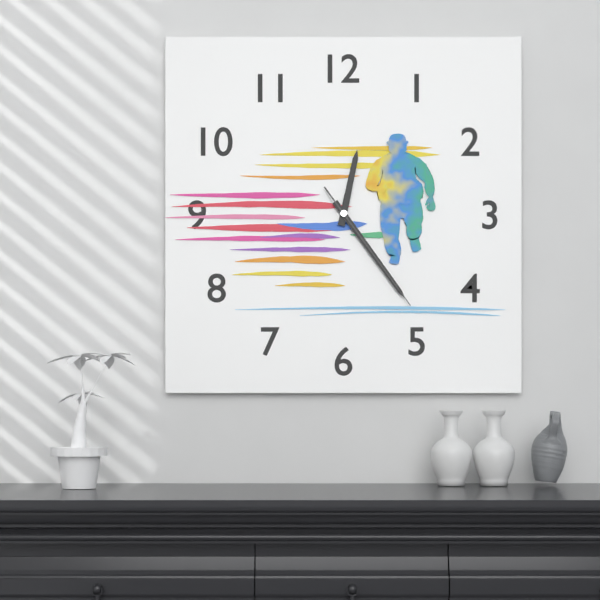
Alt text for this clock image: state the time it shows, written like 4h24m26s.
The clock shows 12h24m24s
